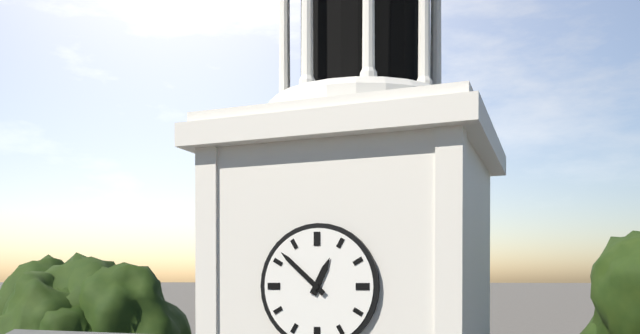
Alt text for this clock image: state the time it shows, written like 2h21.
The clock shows 12h52
